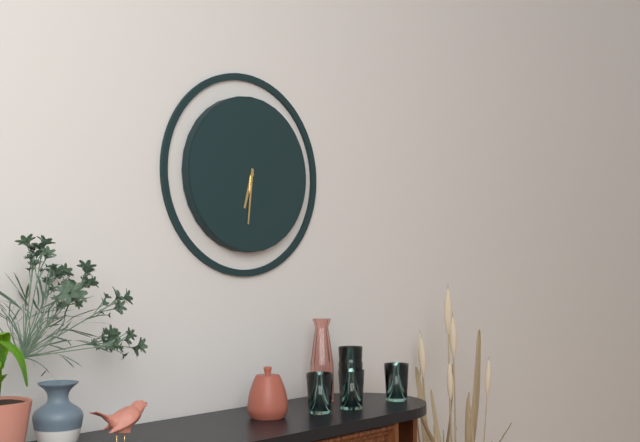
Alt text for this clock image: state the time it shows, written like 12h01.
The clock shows 6h31
